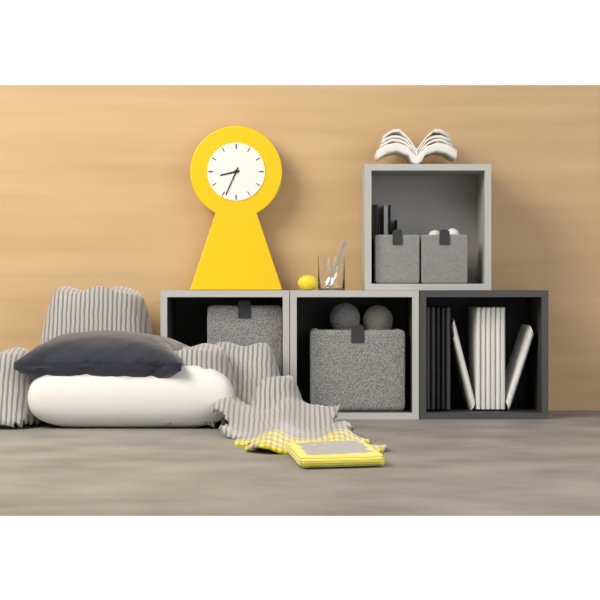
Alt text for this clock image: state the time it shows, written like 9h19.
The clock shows 8h34
